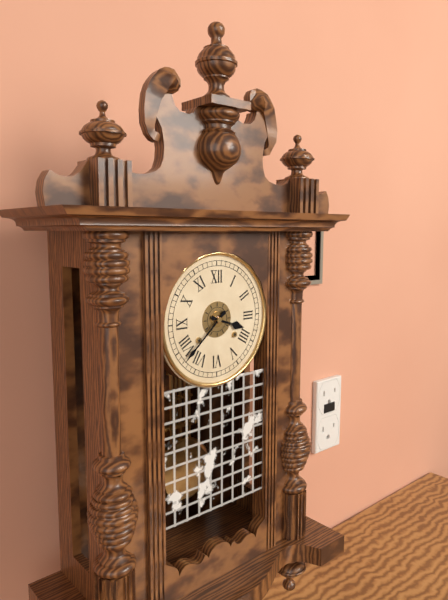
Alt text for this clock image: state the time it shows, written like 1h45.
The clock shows 3h38
